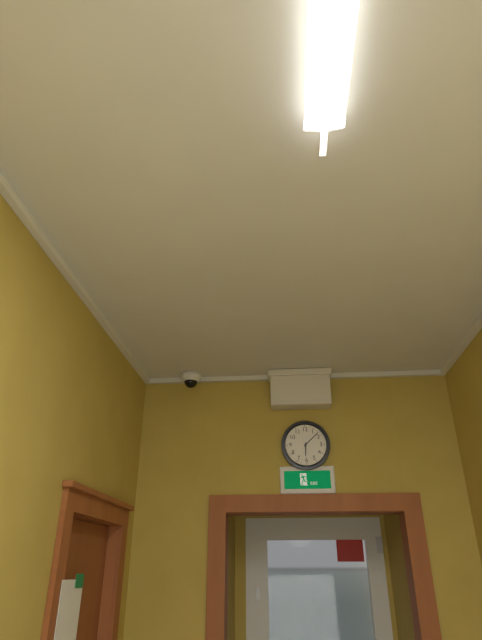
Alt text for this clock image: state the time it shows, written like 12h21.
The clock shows 6h08
